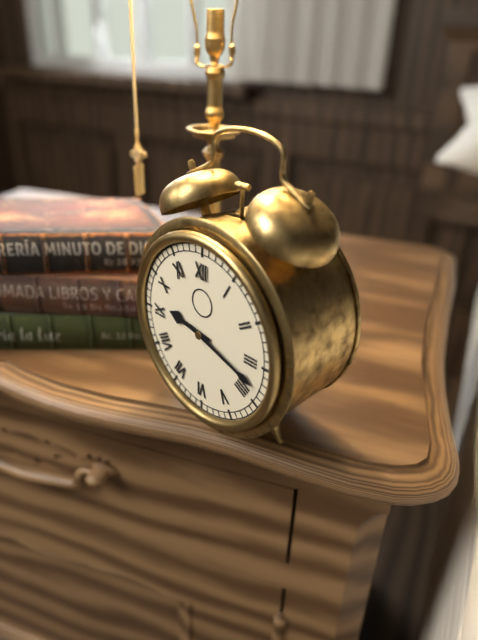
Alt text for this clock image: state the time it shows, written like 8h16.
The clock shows 9h18
